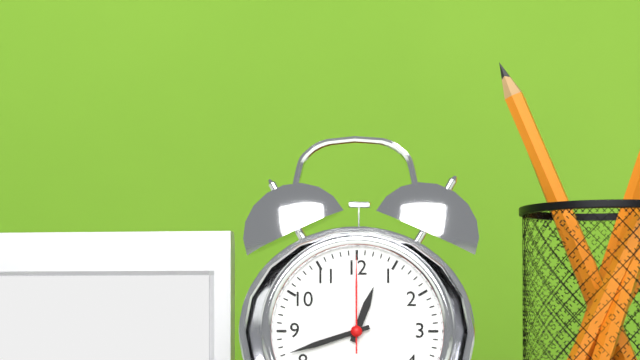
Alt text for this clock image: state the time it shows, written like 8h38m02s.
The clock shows 12h42m00s
